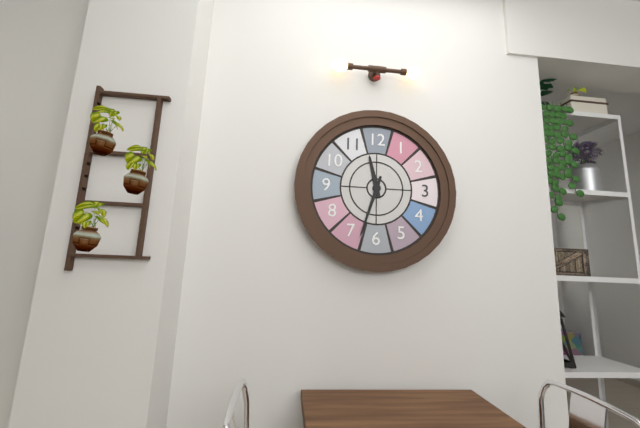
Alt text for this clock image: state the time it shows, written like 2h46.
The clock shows 11h33
